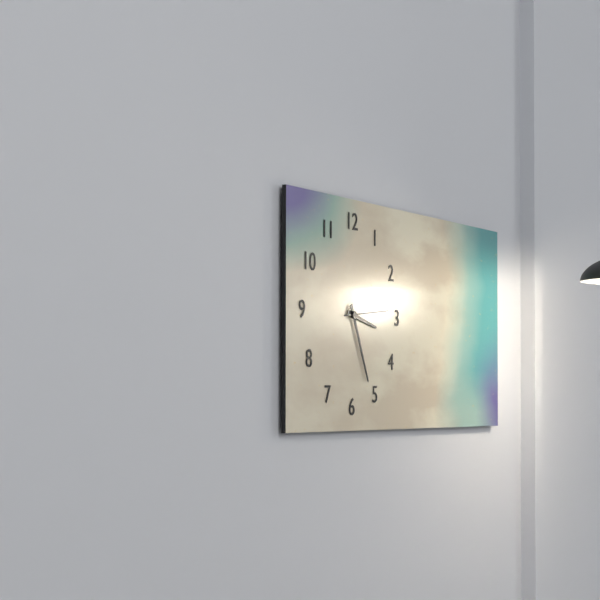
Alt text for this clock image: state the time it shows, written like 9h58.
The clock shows 3h26
